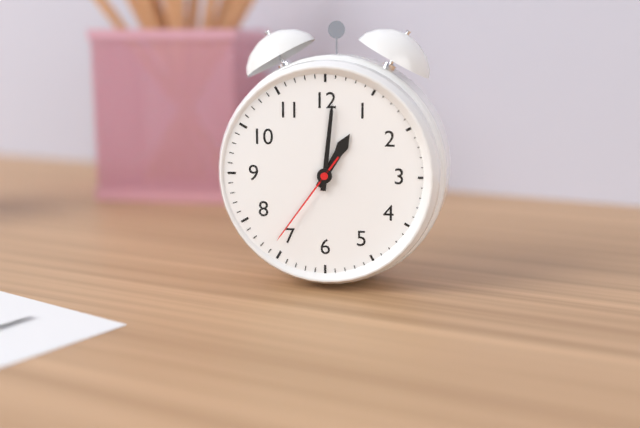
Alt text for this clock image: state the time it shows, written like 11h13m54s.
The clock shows 1h01m36s
